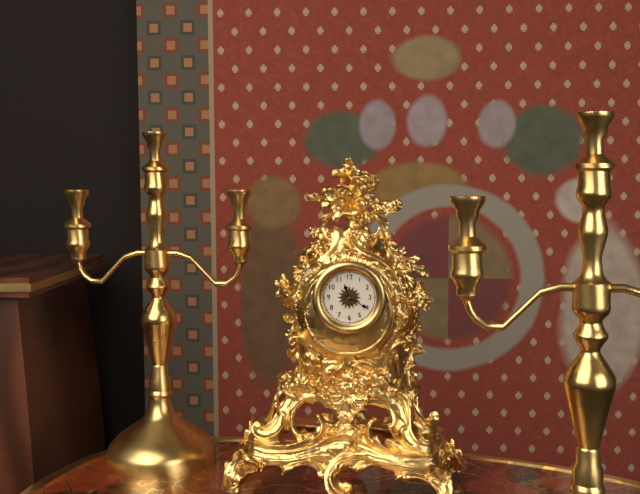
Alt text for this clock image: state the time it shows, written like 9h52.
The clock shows 11h20
